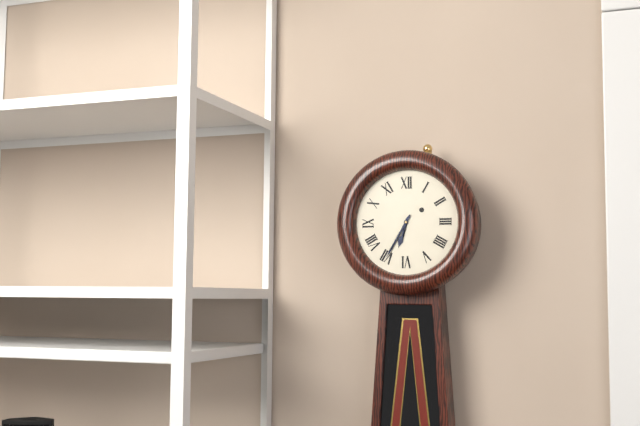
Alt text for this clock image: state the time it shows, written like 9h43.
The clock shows 6h35
